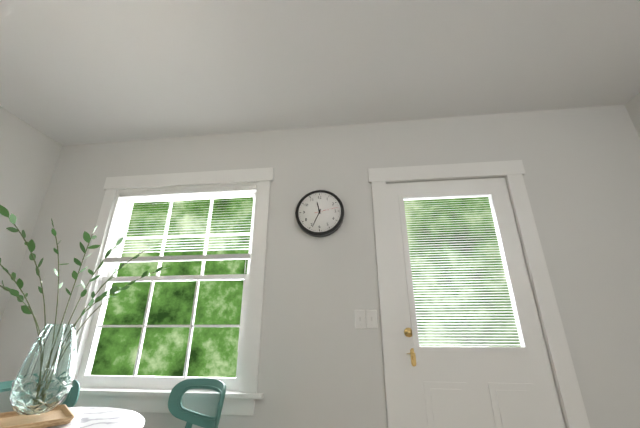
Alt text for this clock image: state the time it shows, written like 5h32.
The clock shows 11h34
